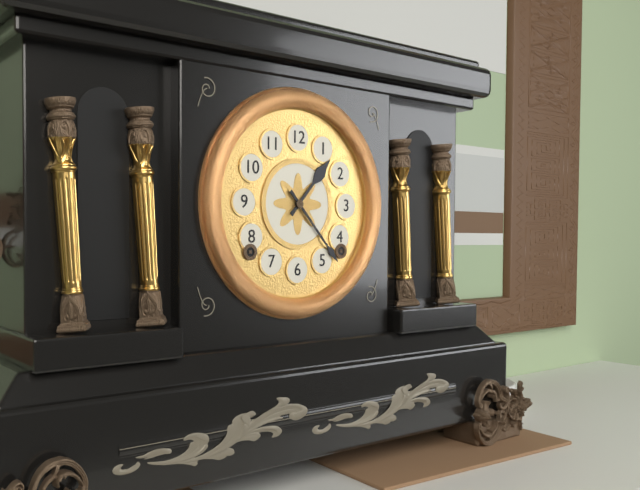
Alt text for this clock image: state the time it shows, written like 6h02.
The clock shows 1h23
